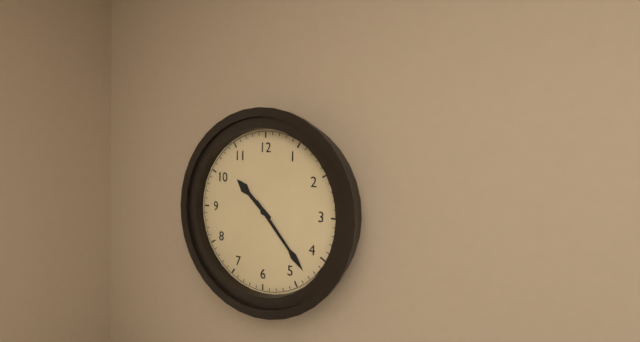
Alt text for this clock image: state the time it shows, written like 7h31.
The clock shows 10h23
